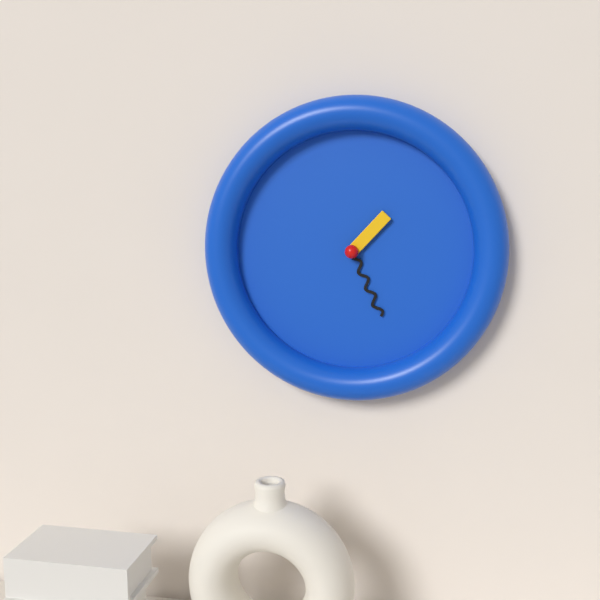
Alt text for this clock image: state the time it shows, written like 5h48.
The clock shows 1h26
